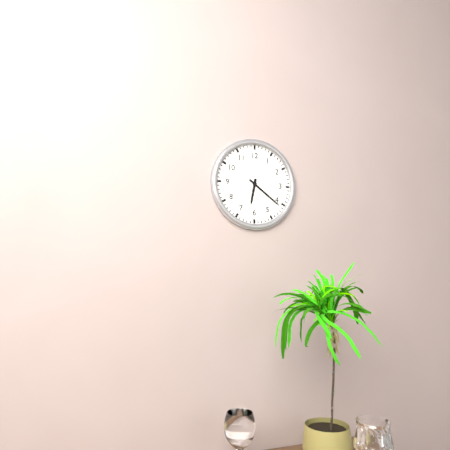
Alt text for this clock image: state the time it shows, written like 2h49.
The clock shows 6h21
